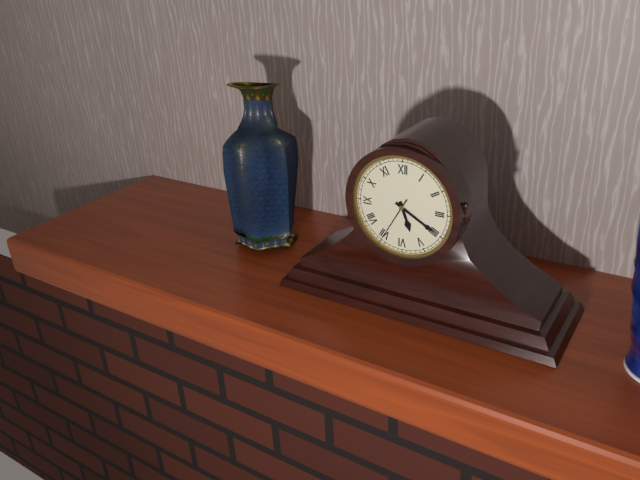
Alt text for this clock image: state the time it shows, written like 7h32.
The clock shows 5h20
